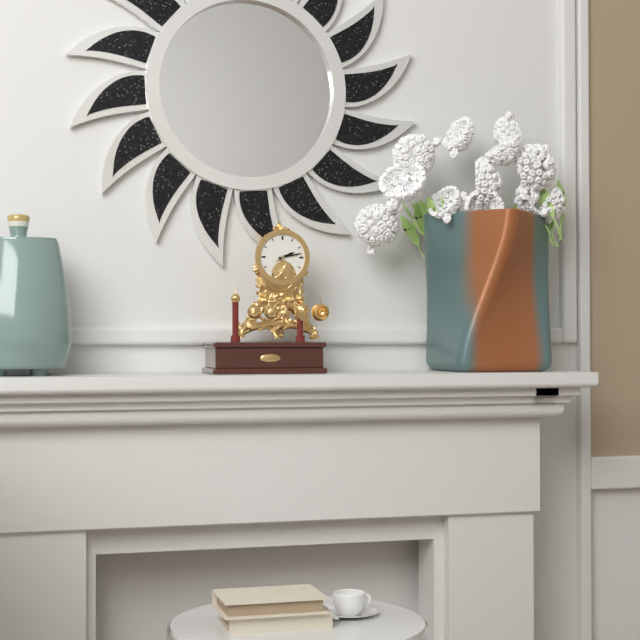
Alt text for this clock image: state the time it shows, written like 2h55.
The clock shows 2h13
